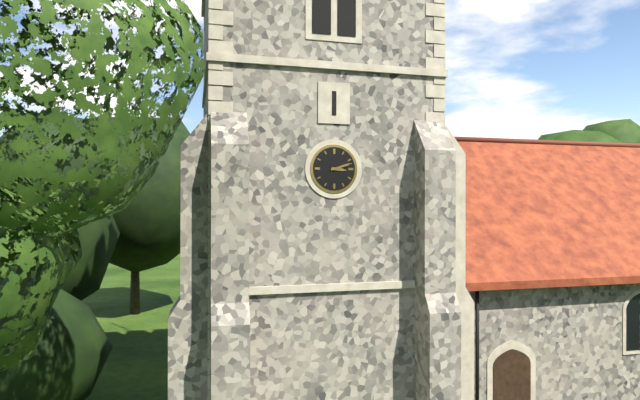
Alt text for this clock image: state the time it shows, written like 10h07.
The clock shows 3h12
